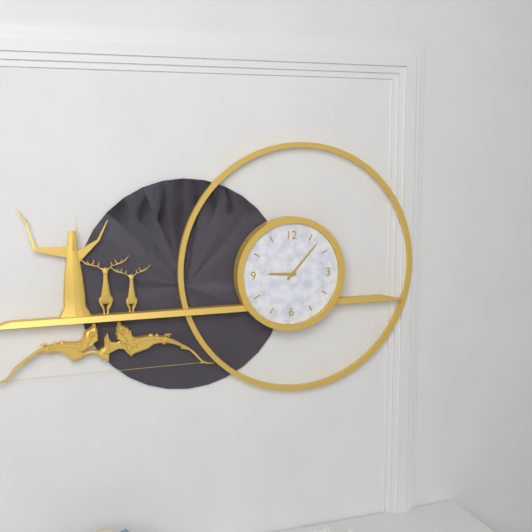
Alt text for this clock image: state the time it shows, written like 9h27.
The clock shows 9h07
